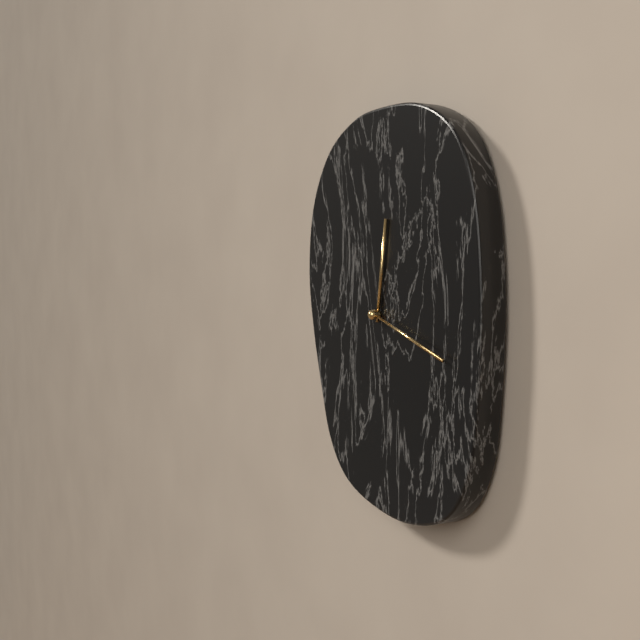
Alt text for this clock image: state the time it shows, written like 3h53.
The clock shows 12h18
